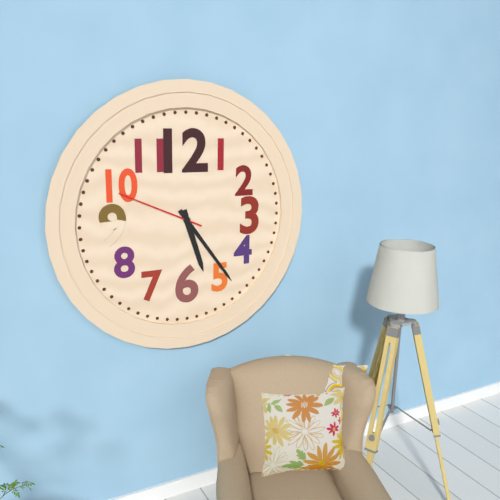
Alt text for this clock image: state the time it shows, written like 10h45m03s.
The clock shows 5h24m49s
